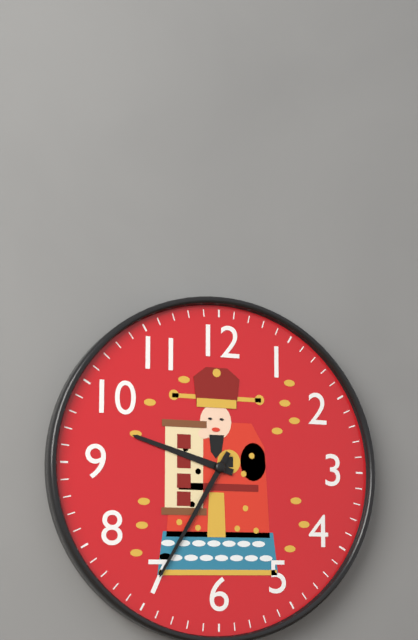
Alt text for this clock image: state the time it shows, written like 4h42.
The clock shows 9h35
